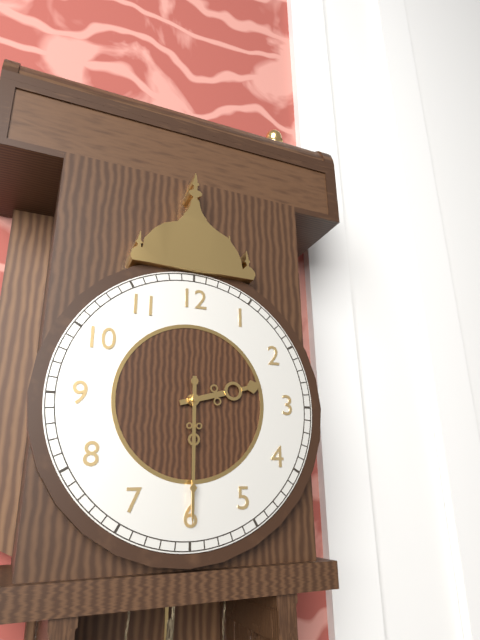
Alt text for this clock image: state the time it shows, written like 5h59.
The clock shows 2h30
